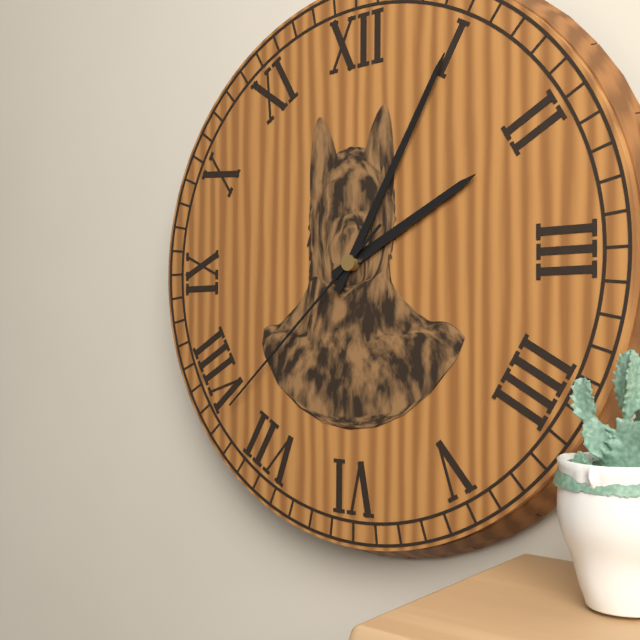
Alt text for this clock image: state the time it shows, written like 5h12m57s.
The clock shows 2h05m38s
